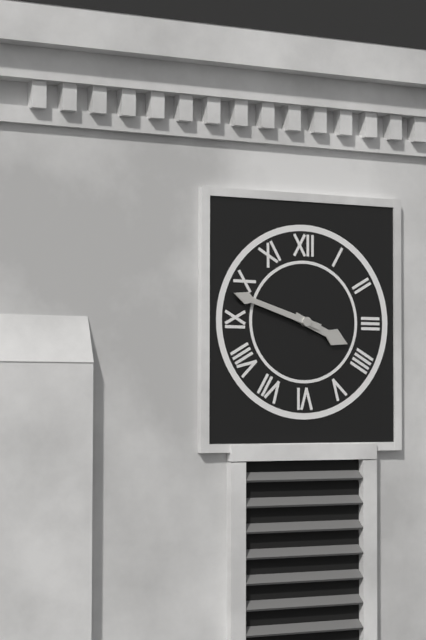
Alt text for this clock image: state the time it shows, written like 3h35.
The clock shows 3h48
